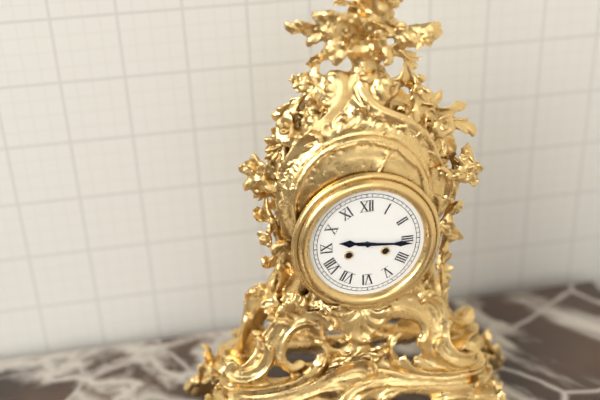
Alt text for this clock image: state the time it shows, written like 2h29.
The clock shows 9h16
